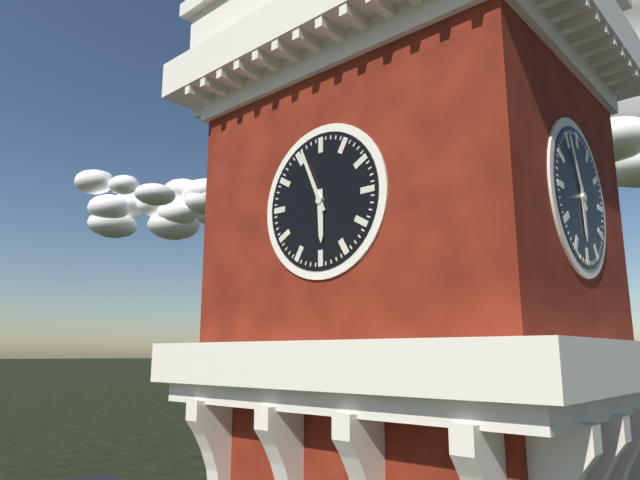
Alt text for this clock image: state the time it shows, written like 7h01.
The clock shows 5h56
